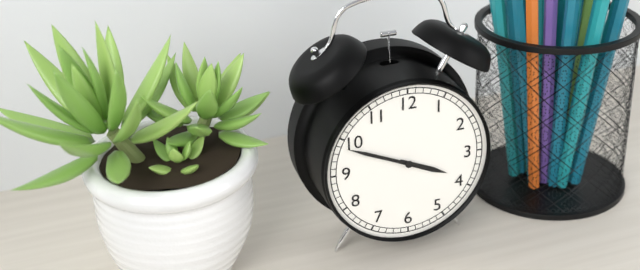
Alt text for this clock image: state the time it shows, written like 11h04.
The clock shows 3h49
